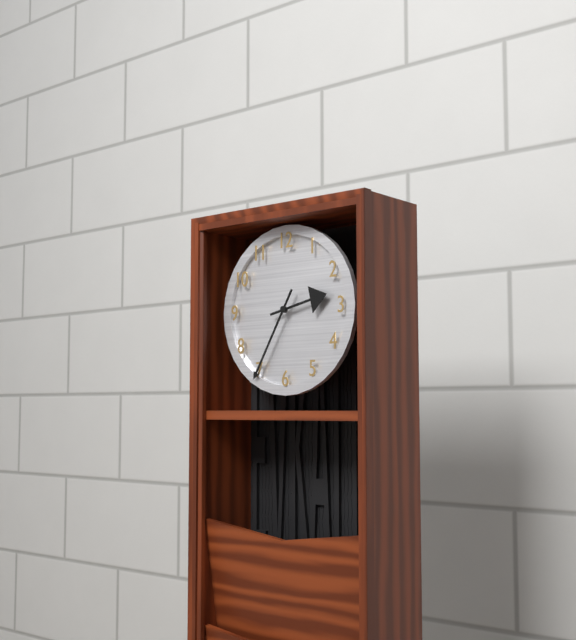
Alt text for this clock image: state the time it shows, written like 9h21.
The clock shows 2h35
